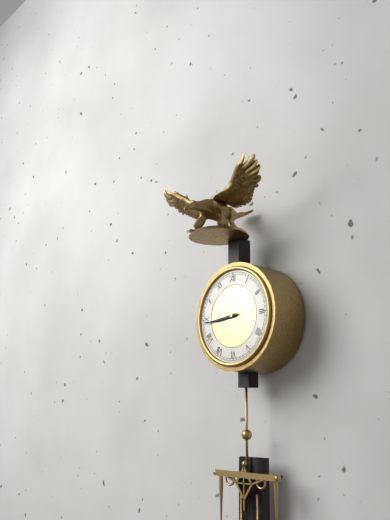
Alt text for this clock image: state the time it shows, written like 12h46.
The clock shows 8h44
